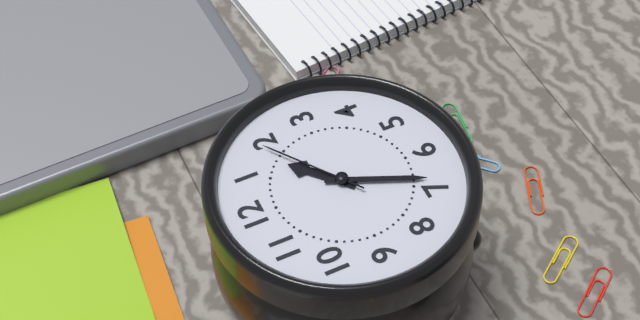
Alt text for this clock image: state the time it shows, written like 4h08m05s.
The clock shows 1h34m09s
